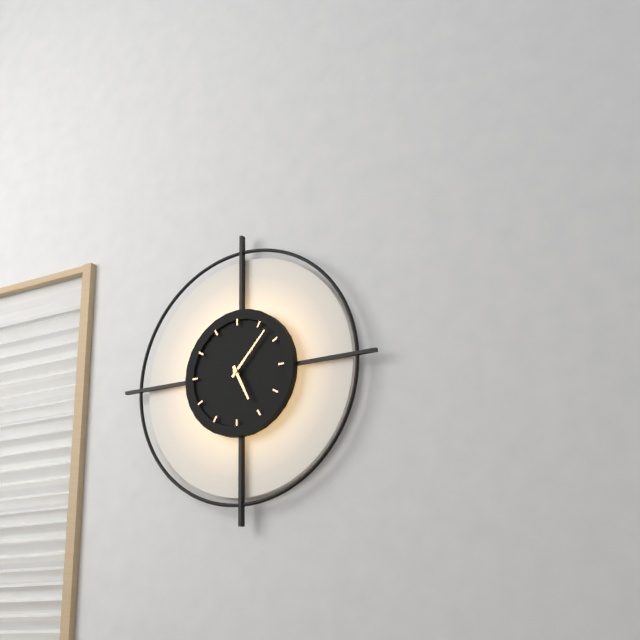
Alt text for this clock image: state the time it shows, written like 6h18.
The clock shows 5h07
